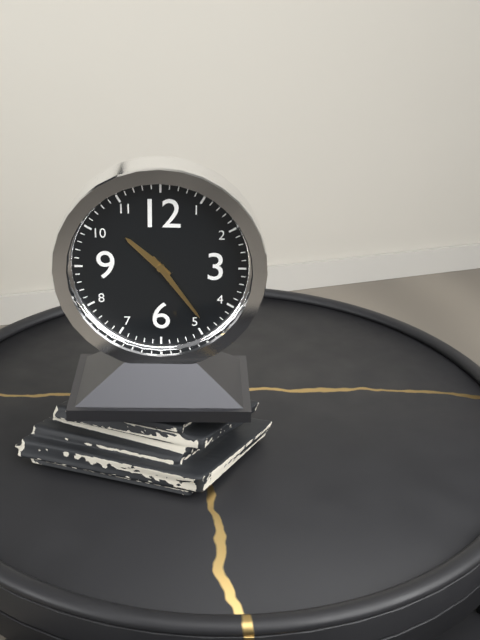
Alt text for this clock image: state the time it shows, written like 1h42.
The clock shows 10h24
